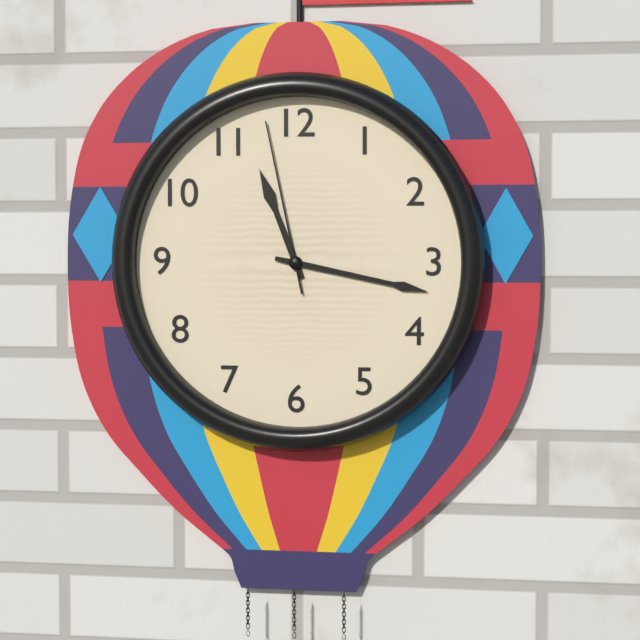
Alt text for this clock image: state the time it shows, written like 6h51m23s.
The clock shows 11h17m58s
